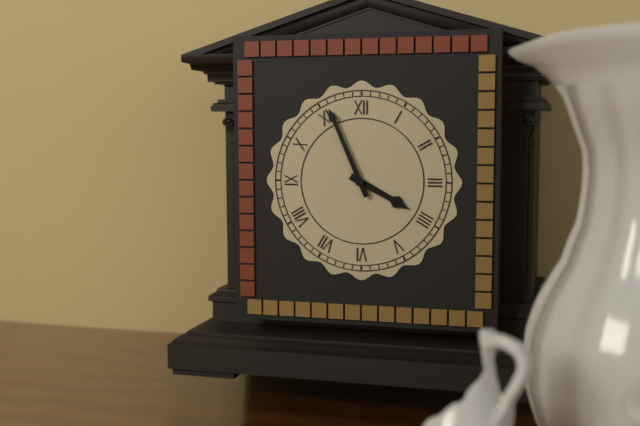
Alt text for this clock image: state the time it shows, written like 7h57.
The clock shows 3h56
